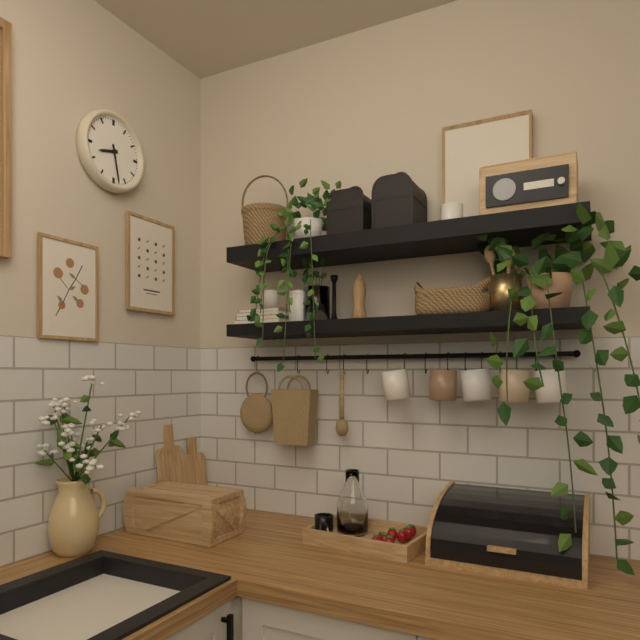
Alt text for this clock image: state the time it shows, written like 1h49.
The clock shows 8h28
